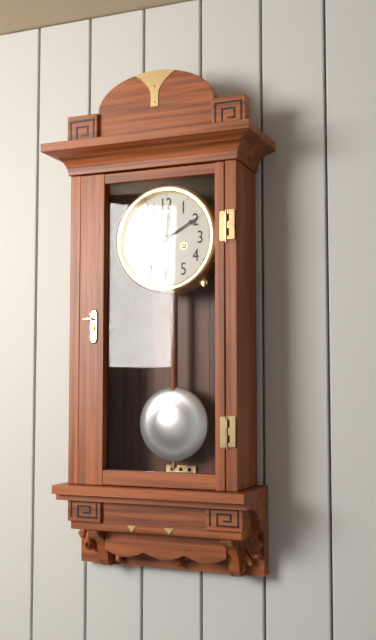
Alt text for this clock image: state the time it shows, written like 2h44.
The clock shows 12h10
